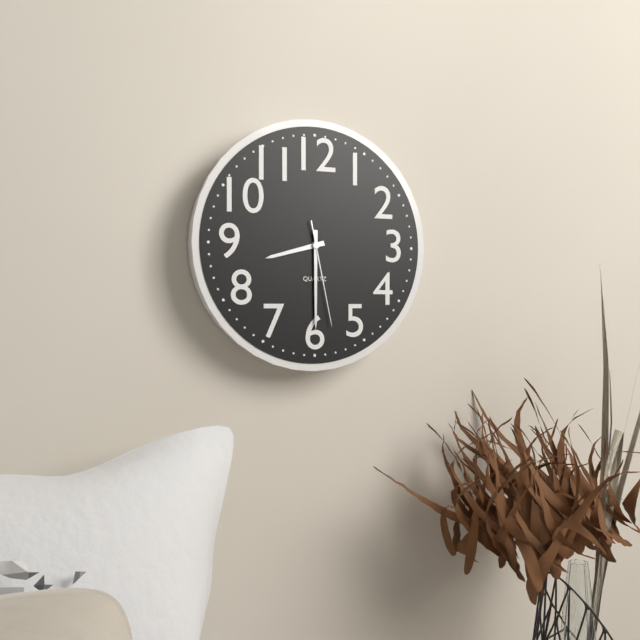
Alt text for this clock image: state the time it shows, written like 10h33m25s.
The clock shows 8h30m28s
